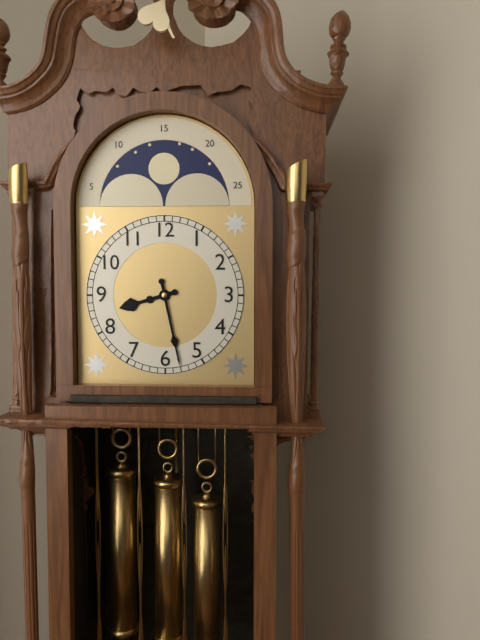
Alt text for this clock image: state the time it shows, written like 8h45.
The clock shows 8h28
